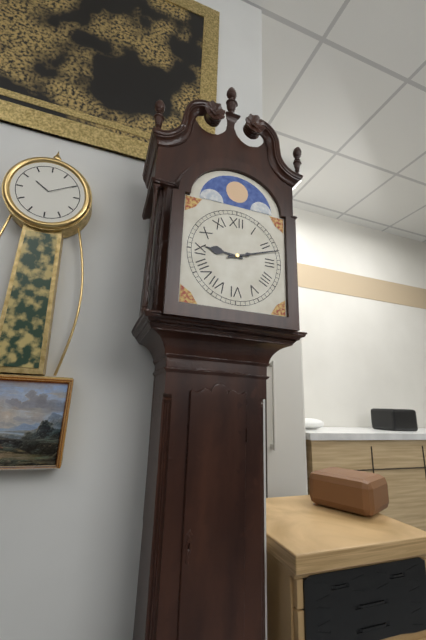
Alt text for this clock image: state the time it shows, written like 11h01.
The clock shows 9h12
